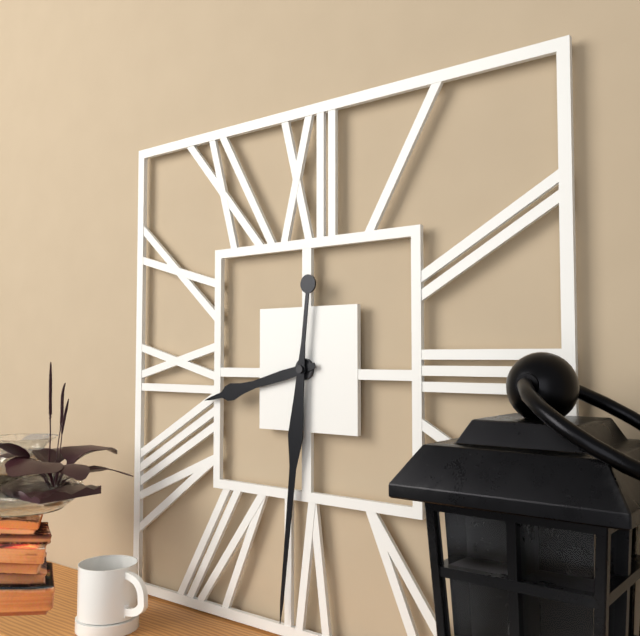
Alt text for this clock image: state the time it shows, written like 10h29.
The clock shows 8h31
